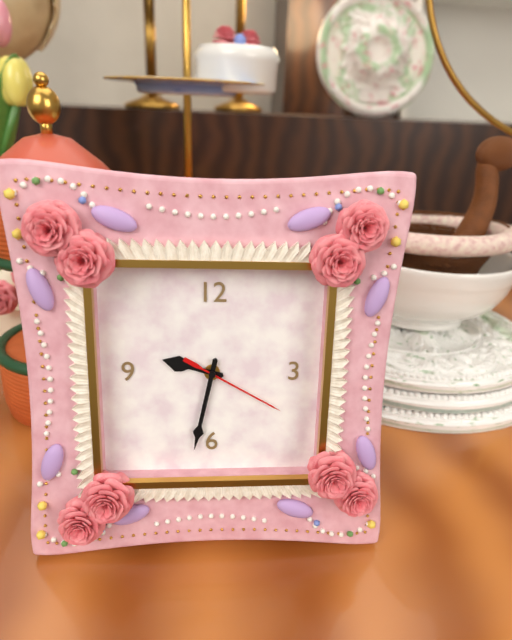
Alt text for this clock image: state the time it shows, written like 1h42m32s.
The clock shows 9h32m20s
